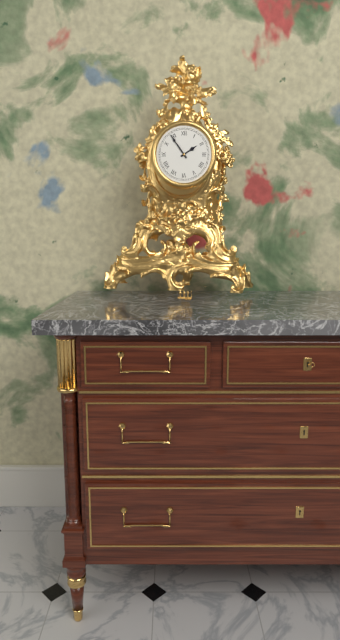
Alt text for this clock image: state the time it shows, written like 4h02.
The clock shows 1h54
